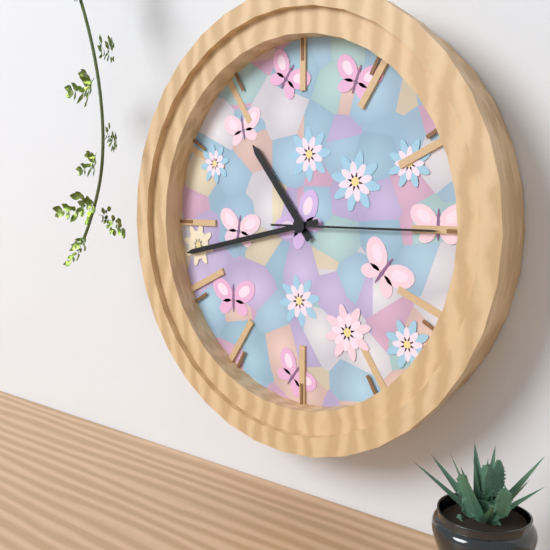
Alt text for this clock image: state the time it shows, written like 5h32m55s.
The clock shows 10h43m15s
